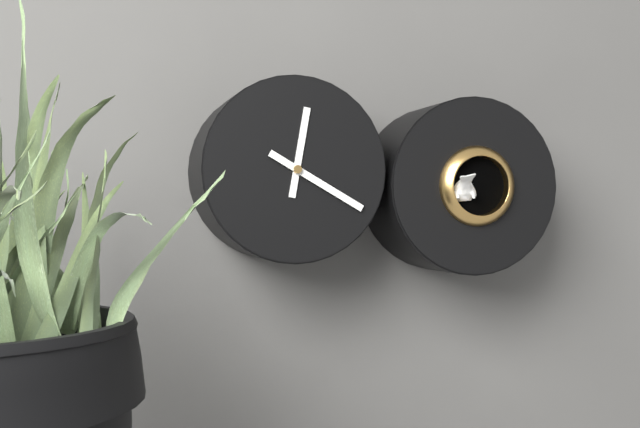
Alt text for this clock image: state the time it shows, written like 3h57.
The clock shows 12h20
